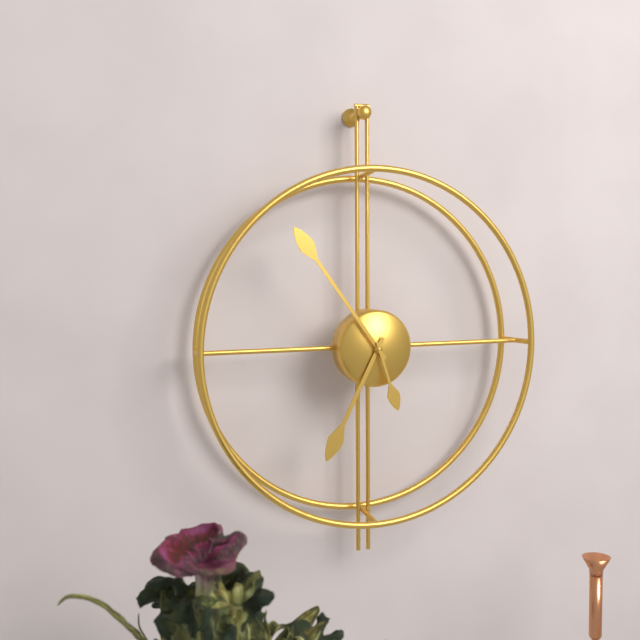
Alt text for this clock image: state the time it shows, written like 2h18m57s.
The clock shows 6h54m27s
